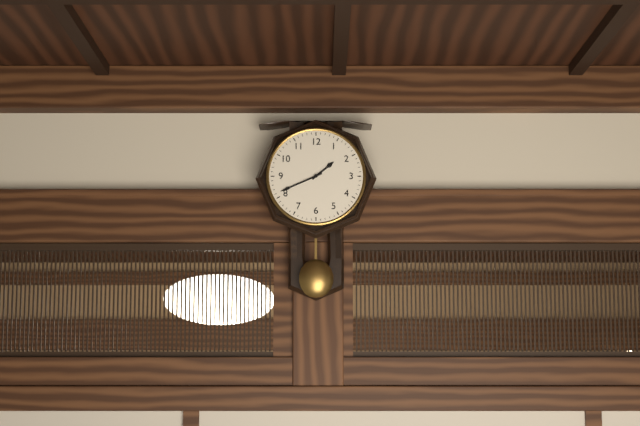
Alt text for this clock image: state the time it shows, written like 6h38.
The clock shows 1h41
